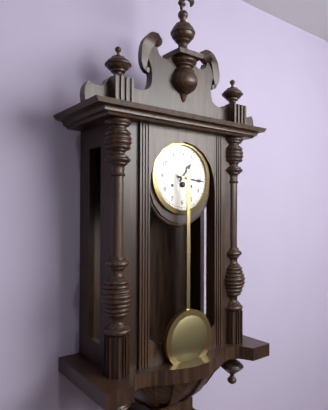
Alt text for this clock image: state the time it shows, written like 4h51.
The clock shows 1h16
